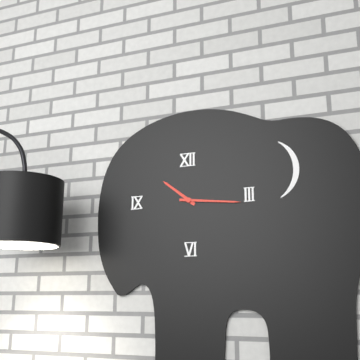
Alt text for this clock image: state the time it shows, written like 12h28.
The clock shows 10h16
